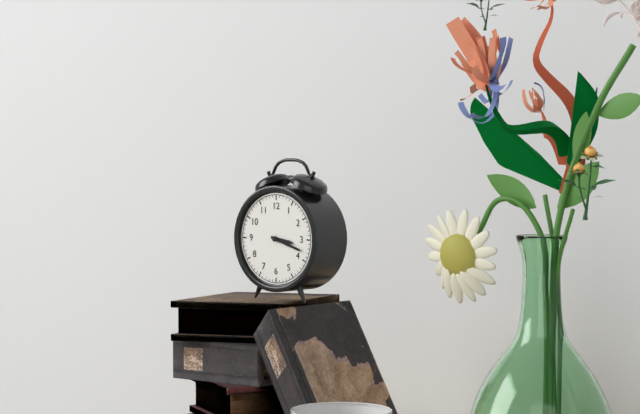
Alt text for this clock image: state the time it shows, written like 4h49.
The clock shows 3h18
